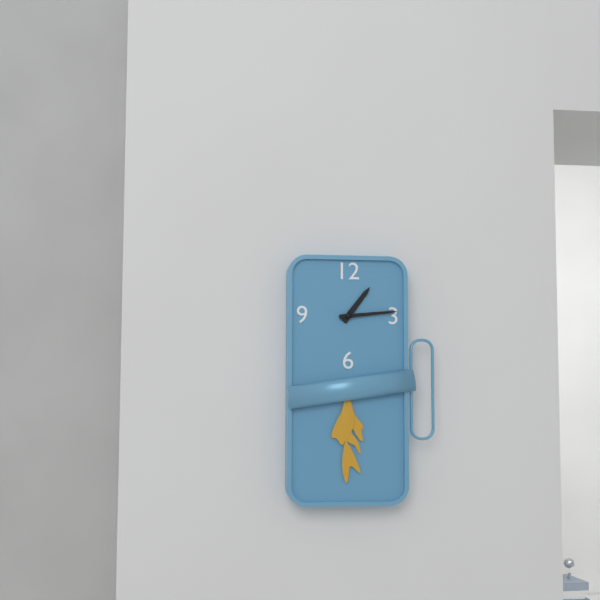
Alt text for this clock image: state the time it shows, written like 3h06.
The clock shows 1h14
